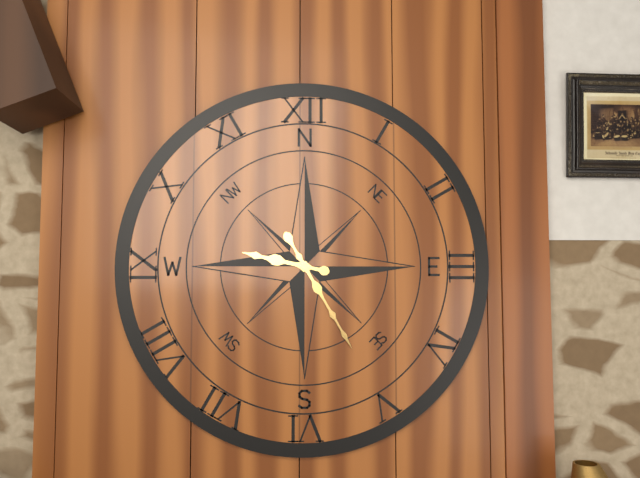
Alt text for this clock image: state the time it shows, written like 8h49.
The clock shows 9h25
